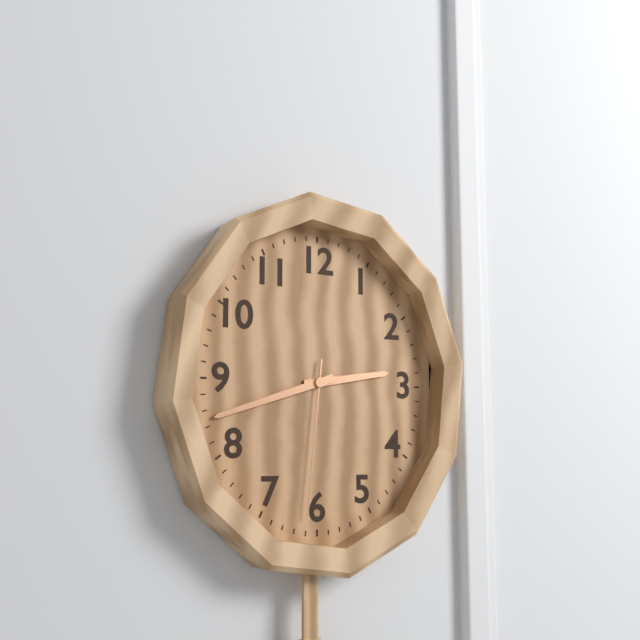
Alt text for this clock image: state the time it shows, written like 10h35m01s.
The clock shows 2h42m31s
